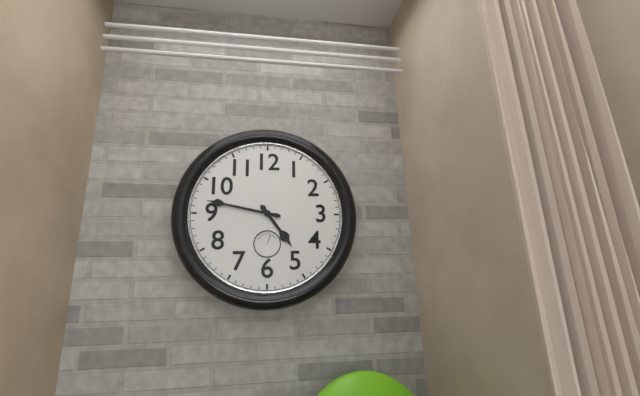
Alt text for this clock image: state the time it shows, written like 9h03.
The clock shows 4h47
